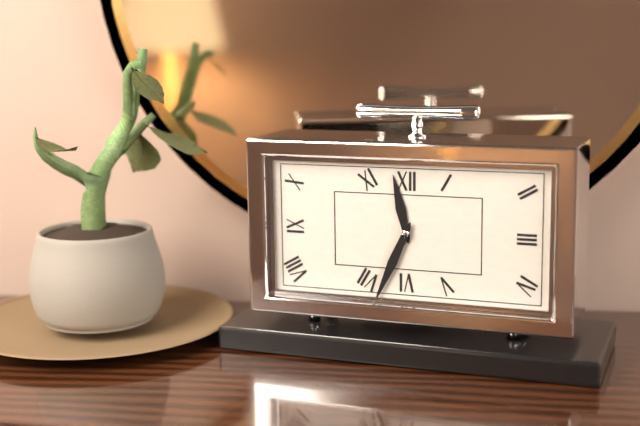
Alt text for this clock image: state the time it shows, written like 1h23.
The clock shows 11h34
